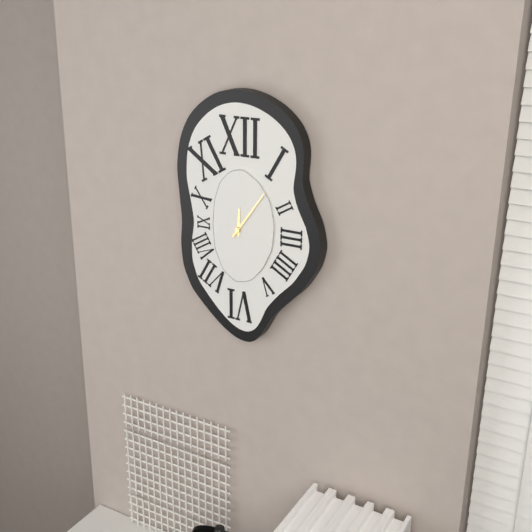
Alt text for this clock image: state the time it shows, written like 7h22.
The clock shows 12h06
